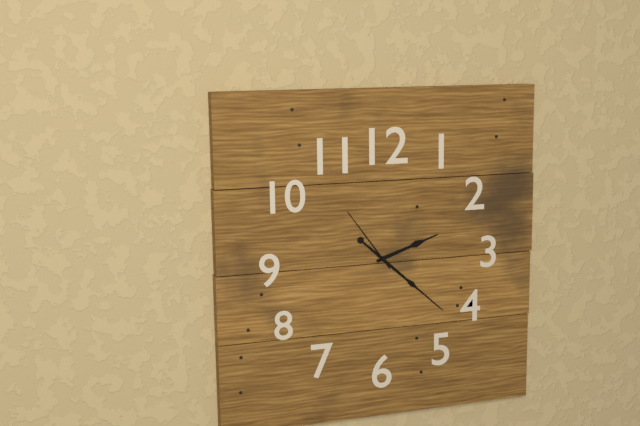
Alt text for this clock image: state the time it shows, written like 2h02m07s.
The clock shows 2h22m54s
